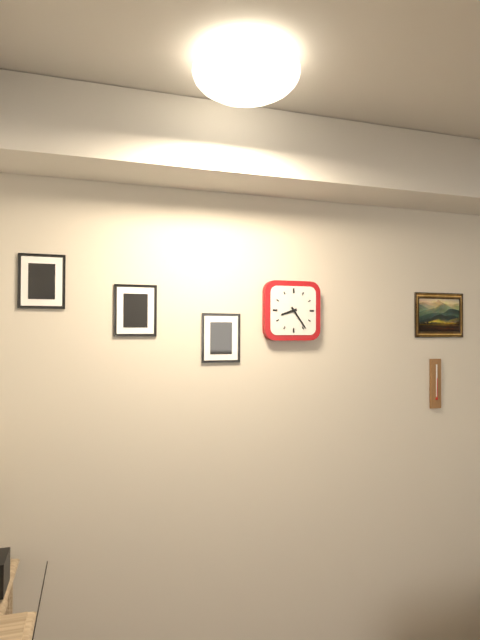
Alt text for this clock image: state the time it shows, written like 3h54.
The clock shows 8h24
